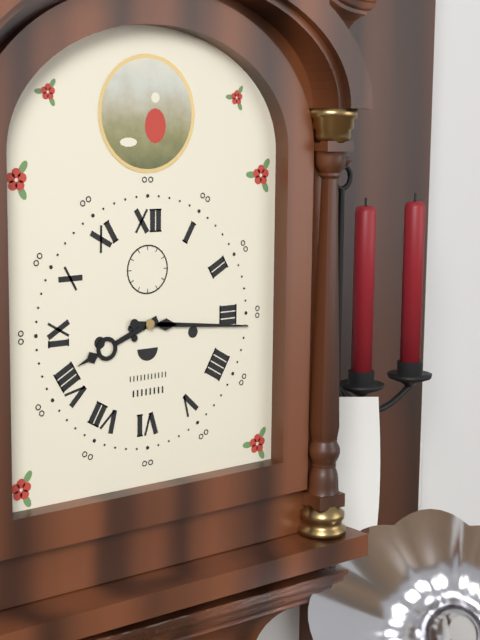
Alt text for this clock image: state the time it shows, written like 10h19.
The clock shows 8h16
